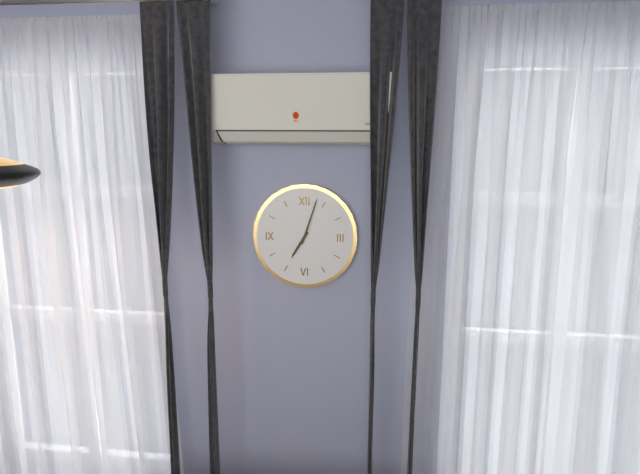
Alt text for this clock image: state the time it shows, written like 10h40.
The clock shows 7h03
